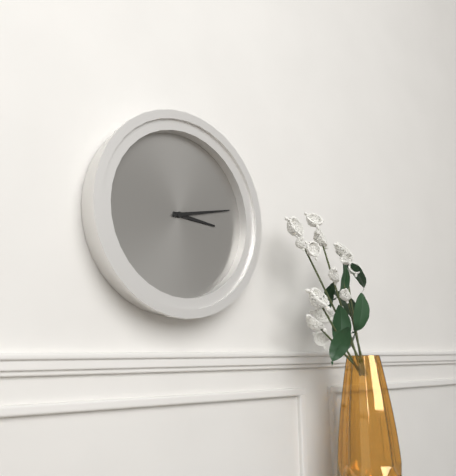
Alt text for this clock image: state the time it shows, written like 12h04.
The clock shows 3h13
